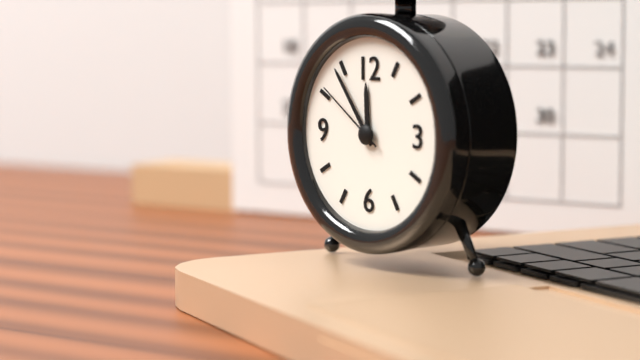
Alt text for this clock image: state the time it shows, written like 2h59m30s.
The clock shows 11h54m51s
